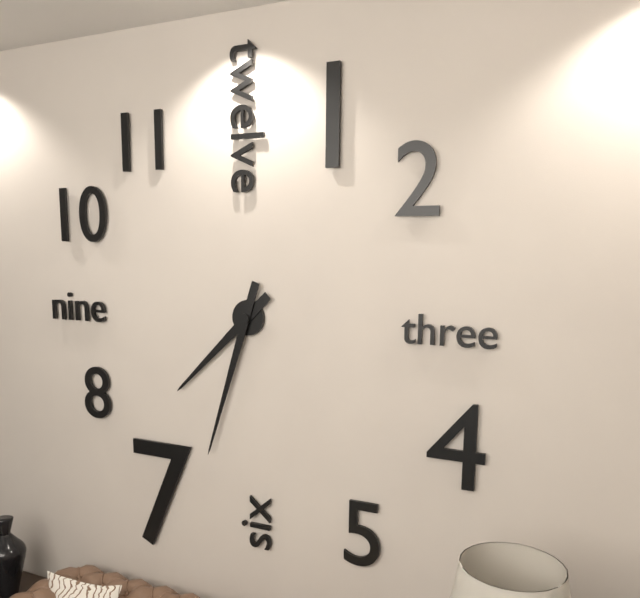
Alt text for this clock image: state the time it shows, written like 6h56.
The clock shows 7h33
